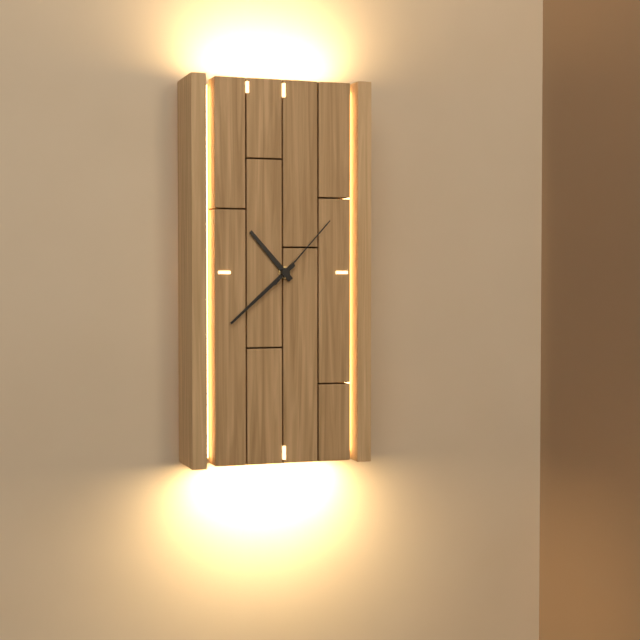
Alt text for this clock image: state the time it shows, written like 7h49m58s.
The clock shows 10h38m07s
